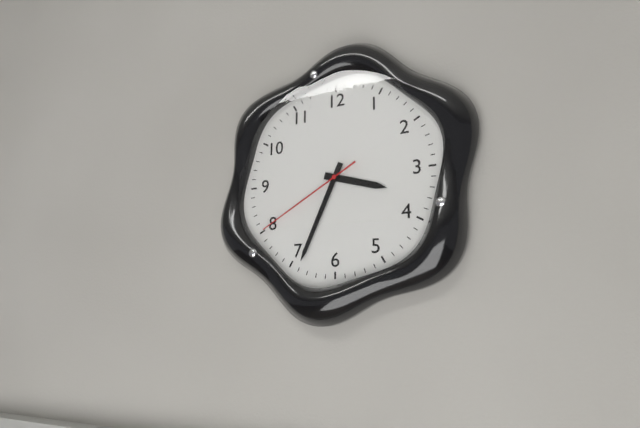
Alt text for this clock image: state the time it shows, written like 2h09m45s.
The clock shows 3h34m40s
